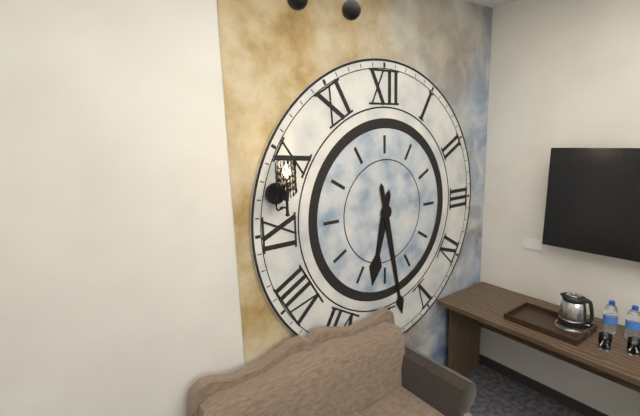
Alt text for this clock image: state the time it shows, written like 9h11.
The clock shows 6h28
